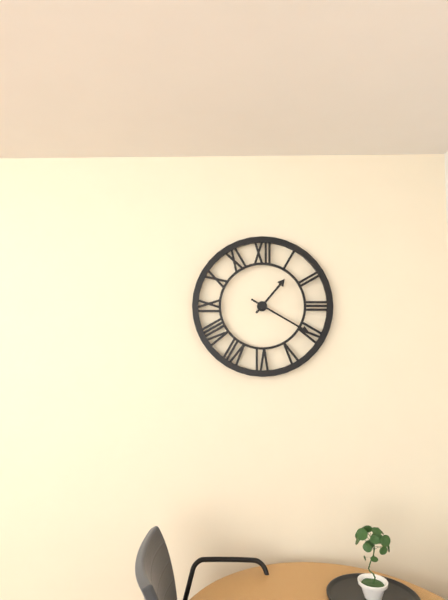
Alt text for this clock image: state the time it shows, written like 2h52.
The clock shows 1h20
